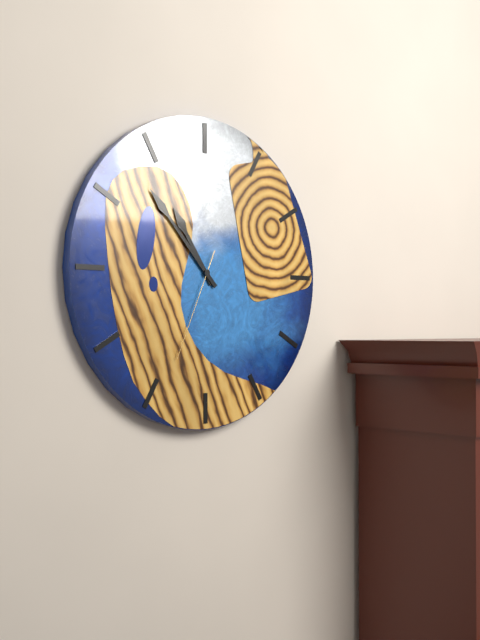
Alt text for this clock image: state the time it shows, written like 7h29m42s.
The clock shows 10h53m34s
